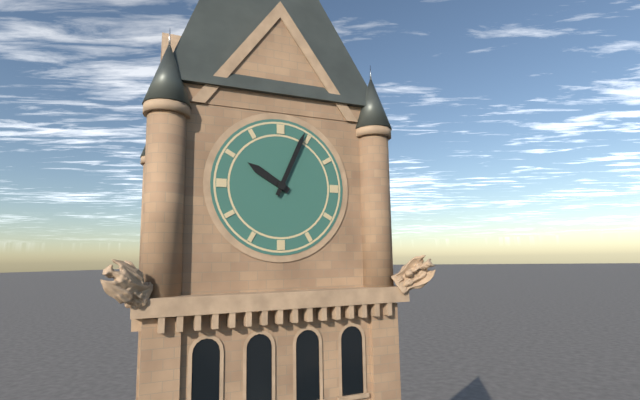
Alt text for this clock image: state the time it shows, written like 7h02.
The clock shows 10h04
